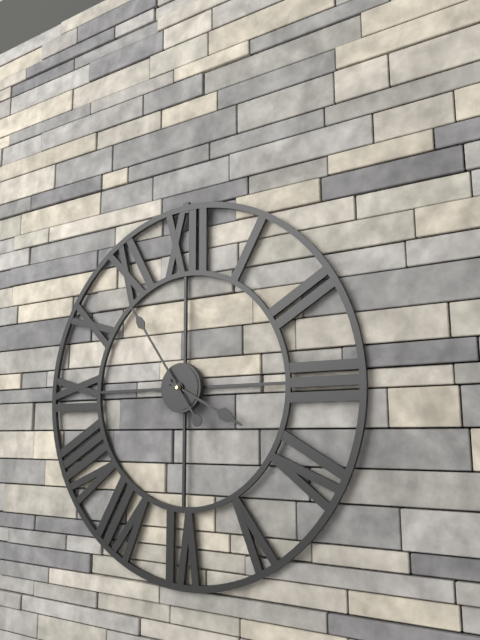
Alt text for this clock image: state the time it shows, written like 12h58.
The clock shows 3h54
